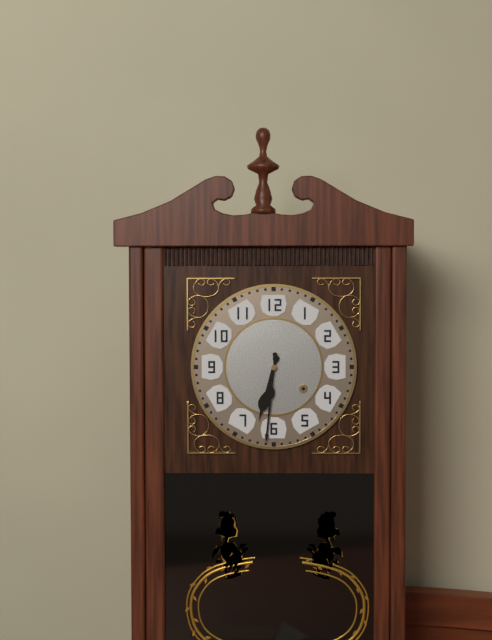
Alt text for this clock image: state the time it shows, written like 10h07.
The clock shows 6h31
